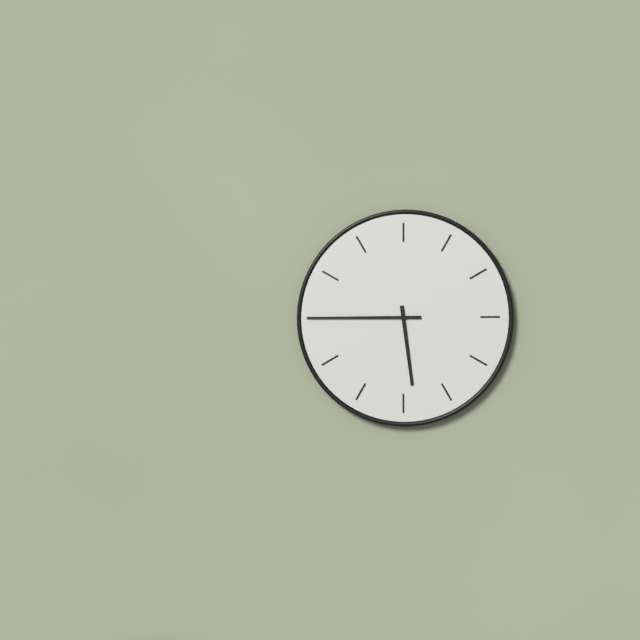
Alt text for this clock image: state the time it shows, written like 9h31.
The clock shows 5h45
